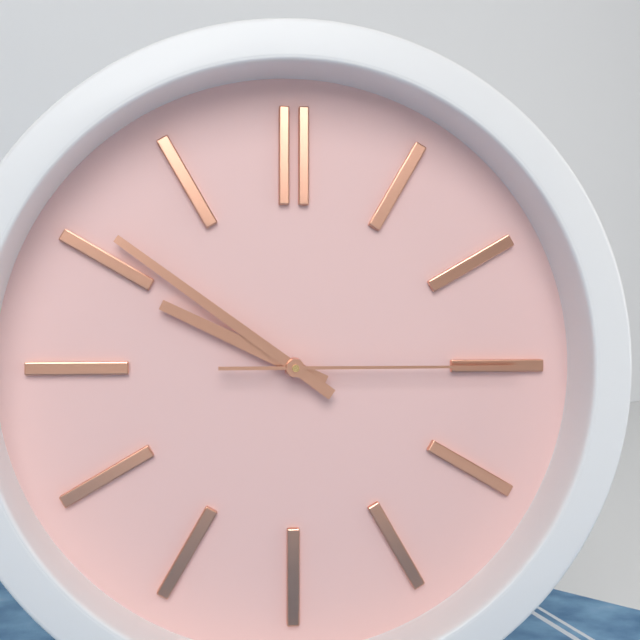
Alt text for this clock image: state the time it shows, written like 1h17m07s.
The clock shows 9h51m15s
